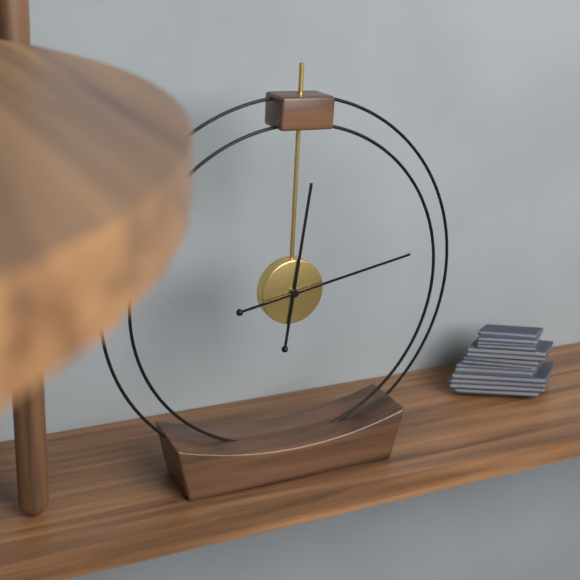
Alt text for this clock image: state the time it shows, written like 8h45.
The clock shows 12h13
